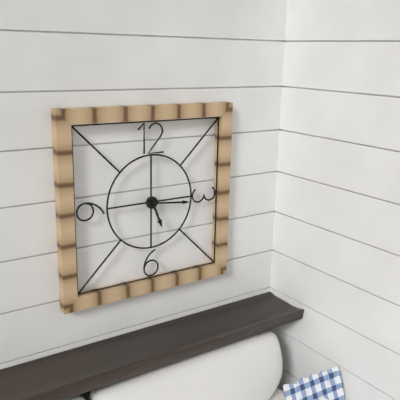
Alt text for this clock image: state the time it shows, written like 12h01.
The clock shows 5h16
